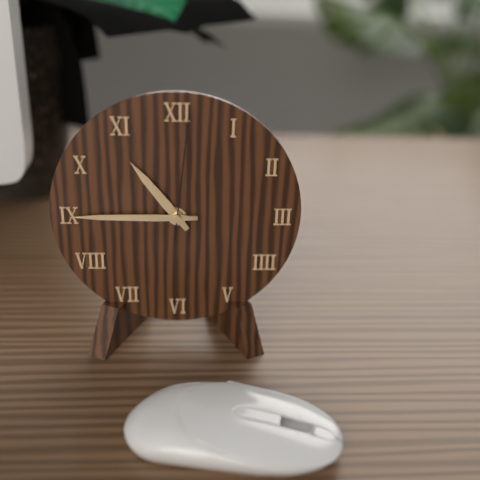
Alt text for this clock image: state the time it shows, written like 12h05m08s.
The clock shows 10h45m01s
